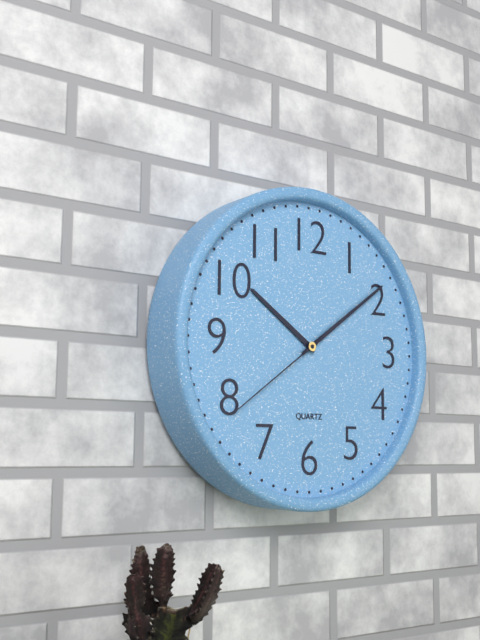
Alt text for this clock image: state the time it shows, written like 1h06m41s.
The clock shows 10h09m39s
